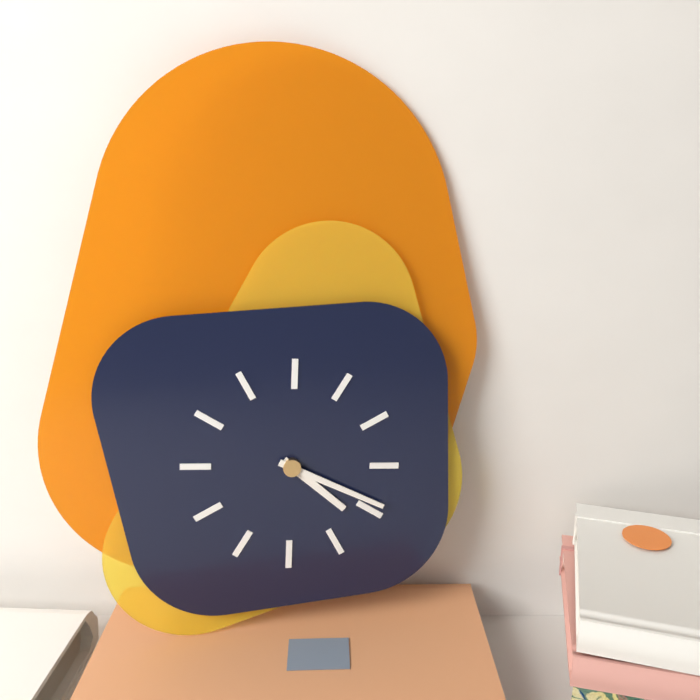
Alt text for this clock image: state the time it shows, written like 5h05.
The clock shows 4h19
